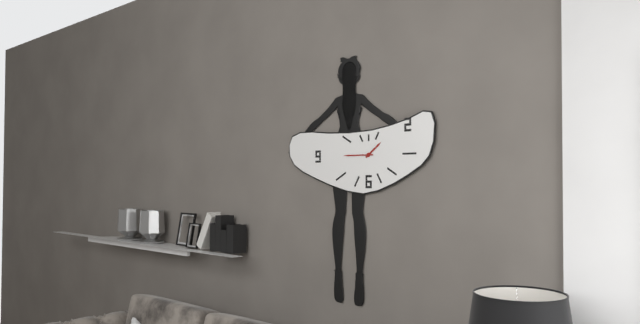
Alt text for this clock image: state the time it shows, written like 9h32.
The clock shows 1h45
